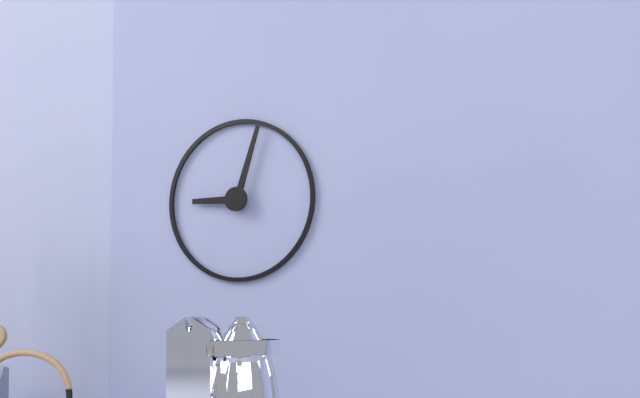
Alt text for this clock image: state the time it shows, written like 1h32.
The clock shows 9h03
